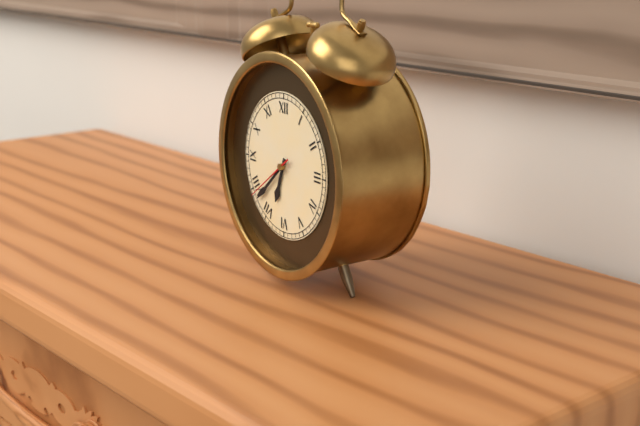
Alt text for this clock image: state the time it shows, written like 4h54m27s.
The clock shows 6h38m39s
